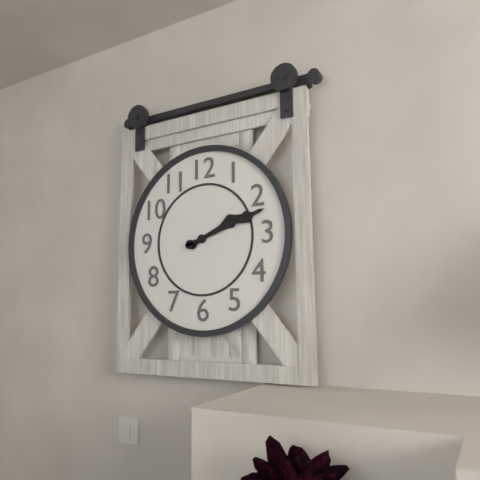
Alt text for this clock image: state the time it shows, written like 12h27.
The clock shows 2h12
